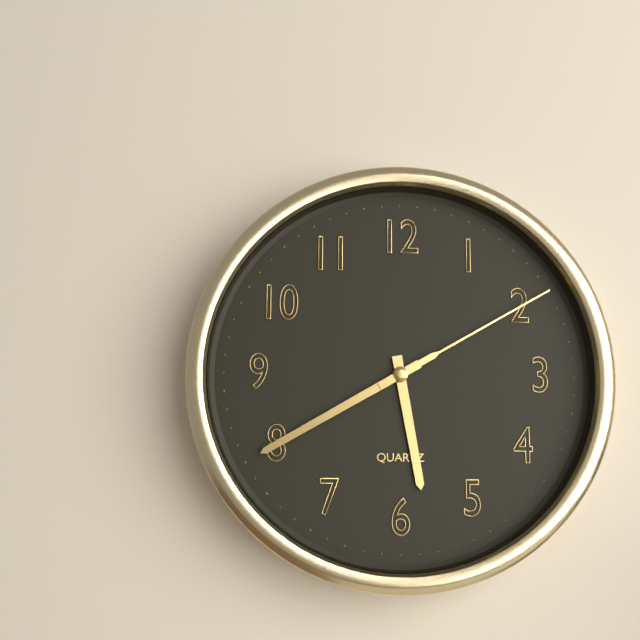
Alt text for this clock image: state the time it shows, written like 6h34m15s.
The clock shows 5h40m10s
